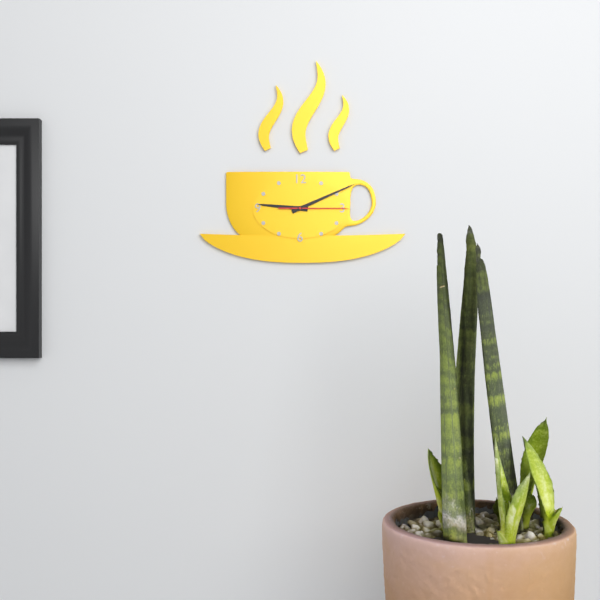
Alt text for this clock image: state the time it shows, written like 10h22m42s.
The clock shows 9h11m15s
